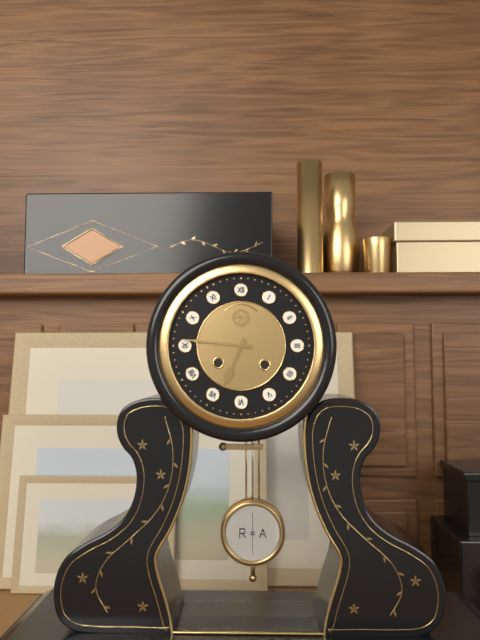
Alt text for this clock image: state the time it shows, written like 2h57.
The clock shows 6h46
